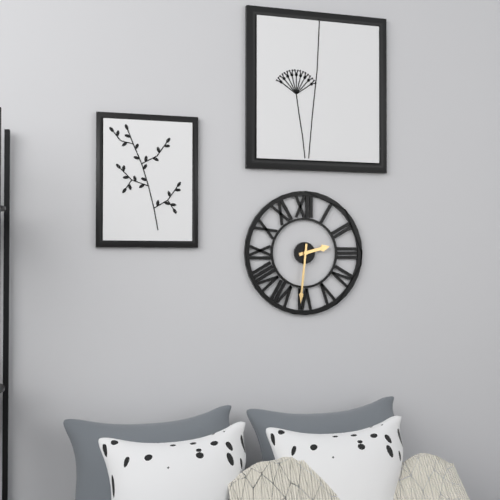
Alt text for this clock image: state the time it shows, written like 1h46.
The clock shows 2h31
